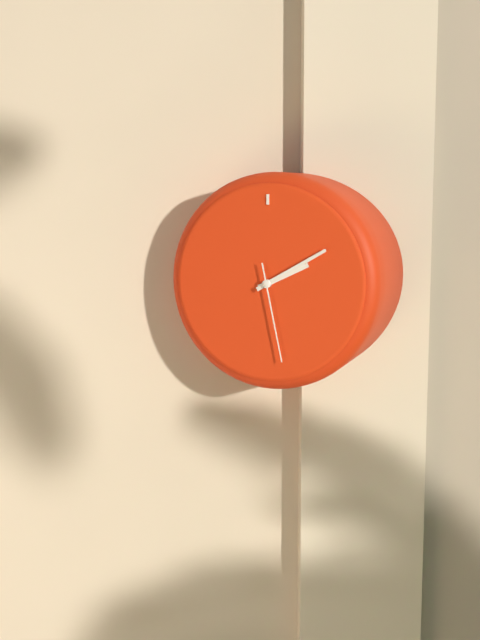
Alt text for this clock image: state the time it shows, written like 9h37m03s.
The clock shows 2h10m28s
